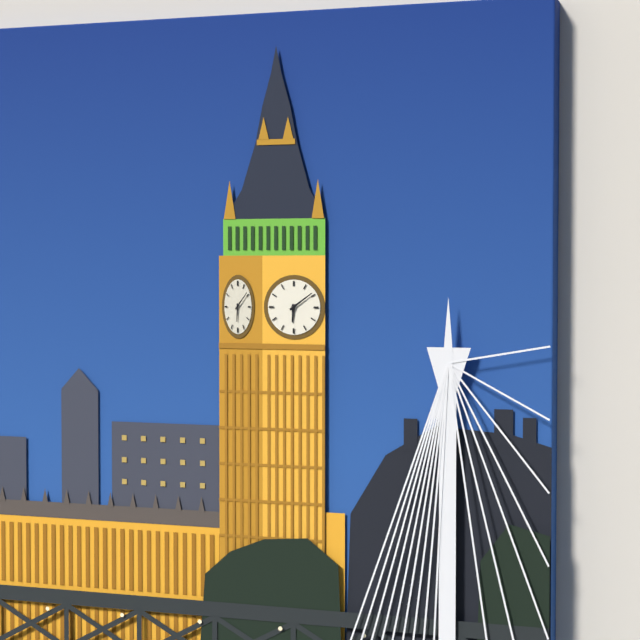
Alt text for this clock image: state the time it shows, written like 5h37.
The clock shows 6h09
